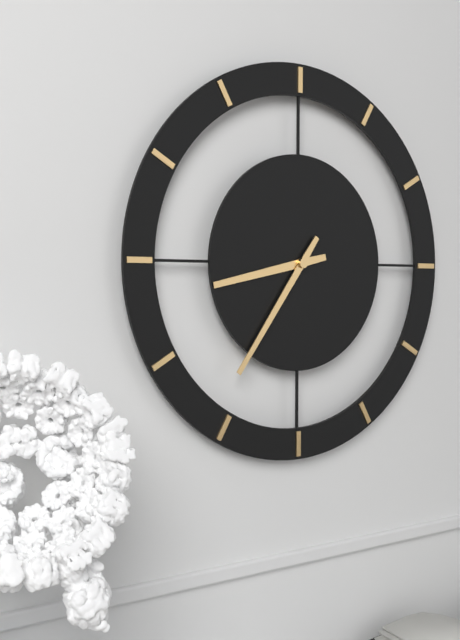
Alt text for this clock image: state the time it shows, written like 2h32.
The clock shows 8h36
